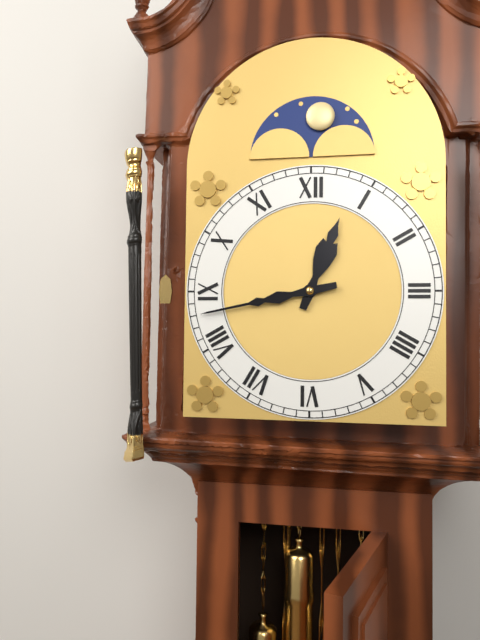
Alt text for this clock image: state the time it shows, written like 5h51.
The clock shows 12h43
